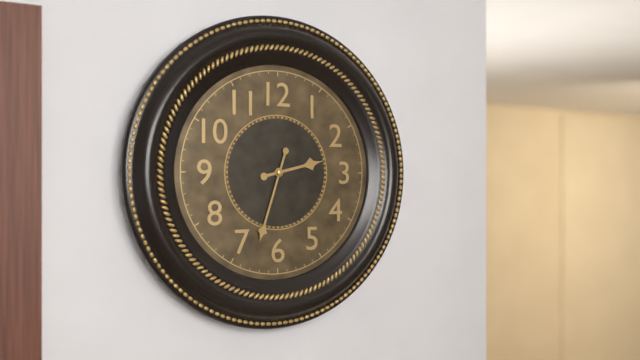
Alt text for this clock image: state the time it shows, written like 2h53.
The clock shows 2h33
